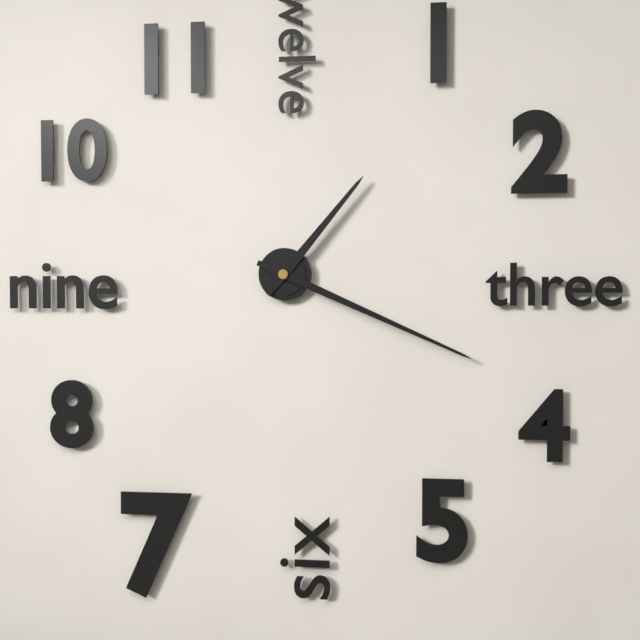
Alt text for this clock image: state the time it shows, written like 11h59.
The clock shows 1h19
